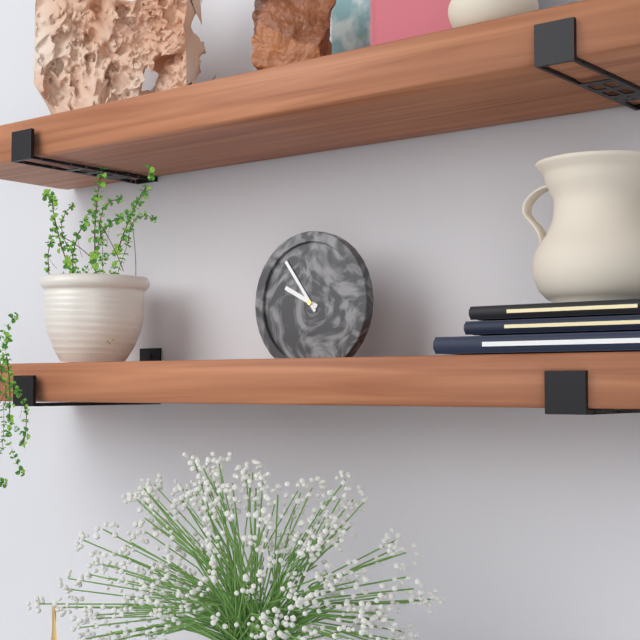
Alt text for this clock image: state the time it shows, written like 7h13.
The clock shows 9h54
